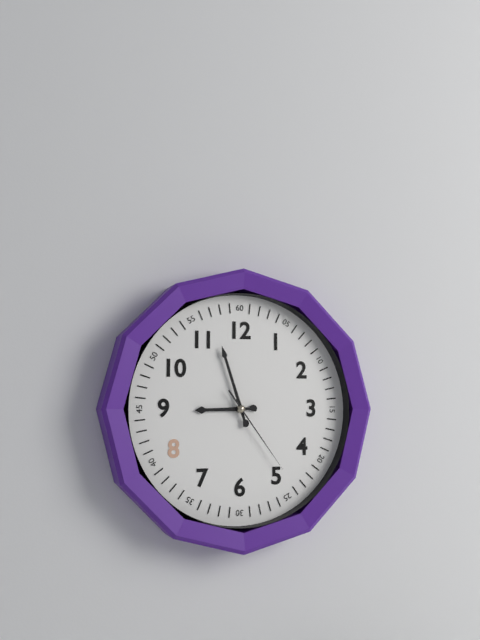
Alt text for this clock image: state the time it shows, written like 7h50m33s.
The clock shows 8h57m24s
